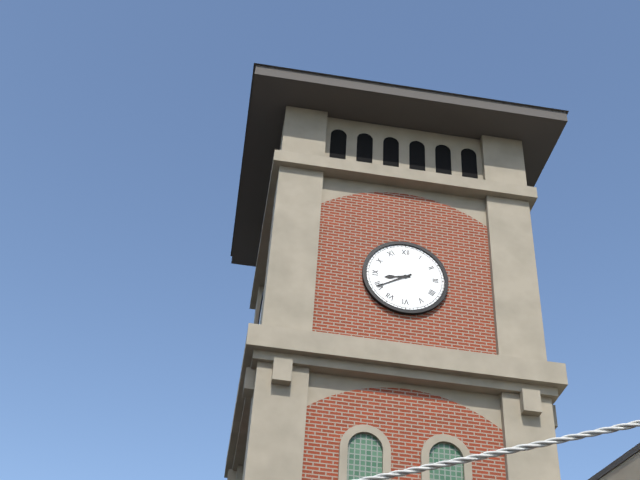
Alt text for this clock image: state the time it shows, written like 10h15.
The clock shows 8h40
